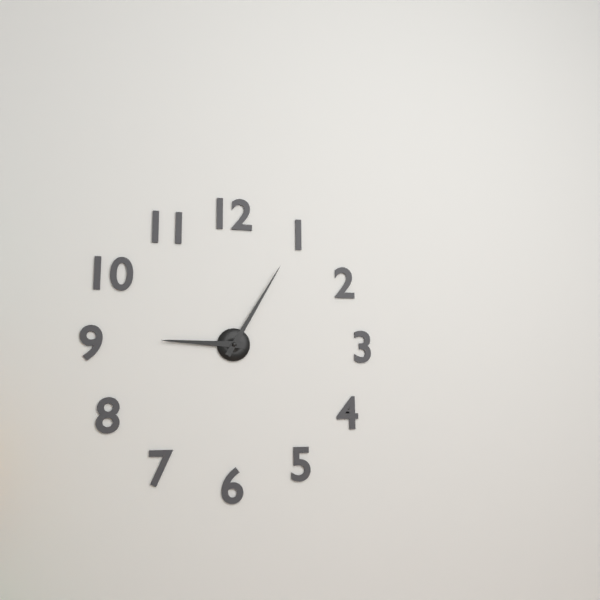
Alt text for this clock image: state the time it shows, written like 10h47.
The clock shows 9h05
